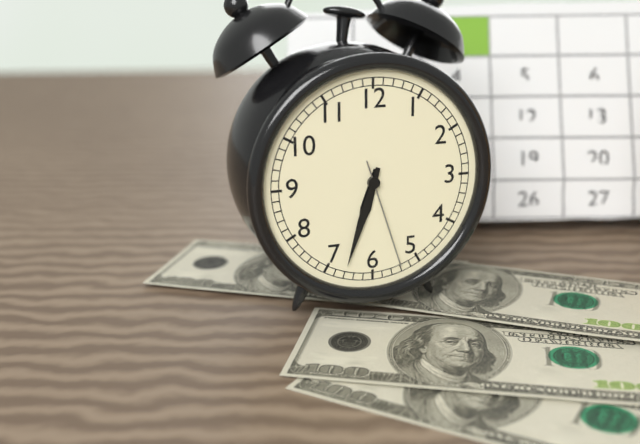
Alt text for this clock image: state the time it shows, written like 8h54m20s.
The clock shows 6h33m27s
